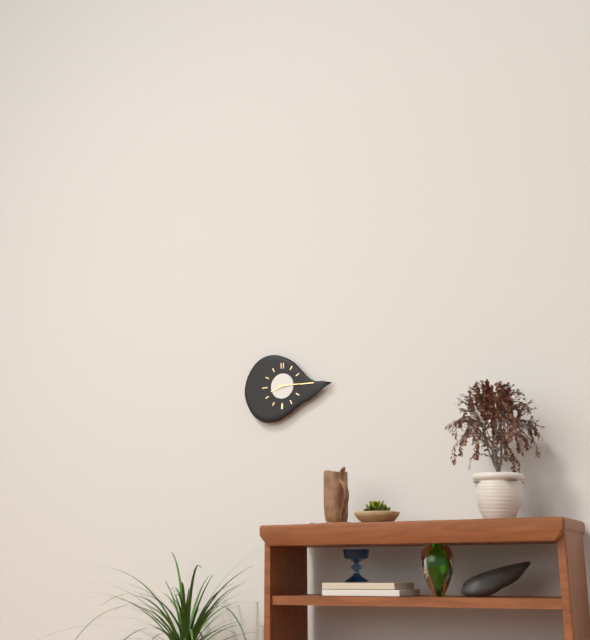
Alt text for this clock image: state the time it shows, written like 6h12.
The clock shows 8h15
